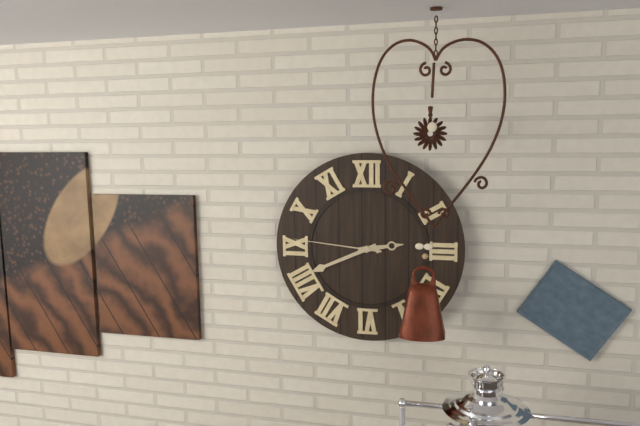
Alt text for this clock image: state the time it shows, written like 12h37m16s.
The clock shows 2h41m46s
